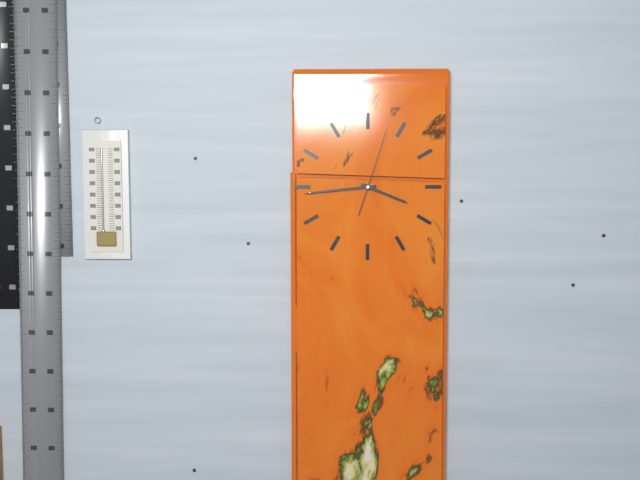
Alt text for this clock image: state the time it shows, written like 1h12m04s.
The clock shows 3h44m03s
